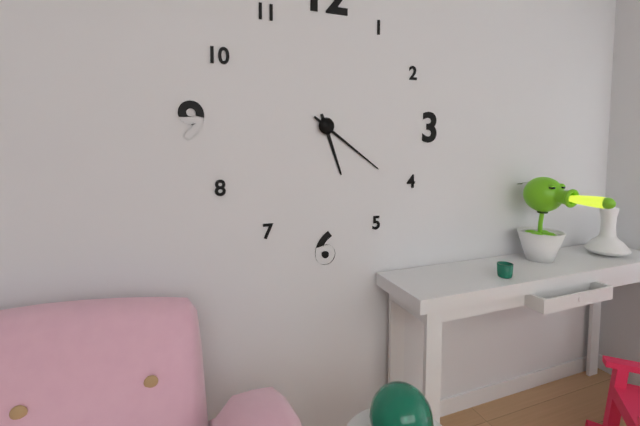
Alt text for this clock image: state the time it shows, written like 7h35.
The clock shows 5h21
